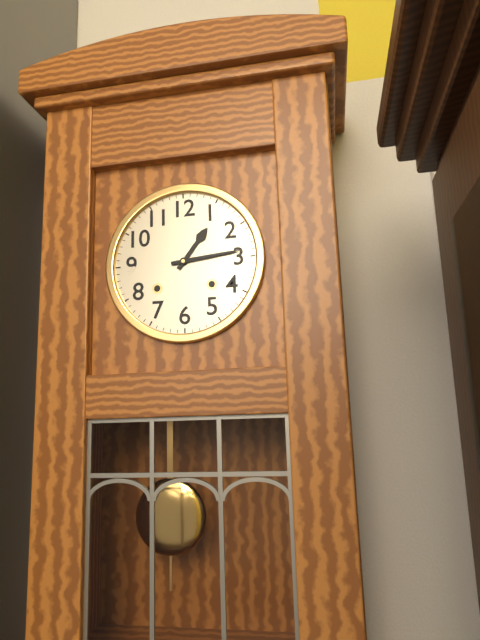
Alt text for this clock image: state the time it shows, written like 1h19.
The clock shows 1h14
